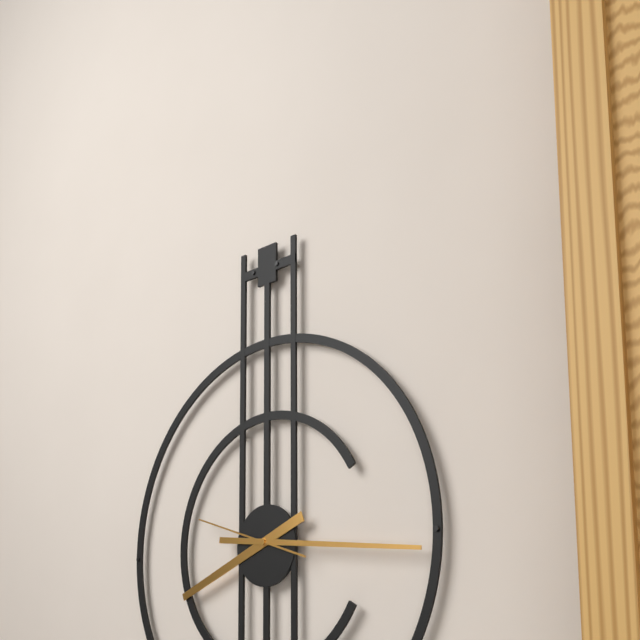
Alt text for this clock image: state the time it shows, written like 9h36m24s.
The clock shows 8h16m48s
